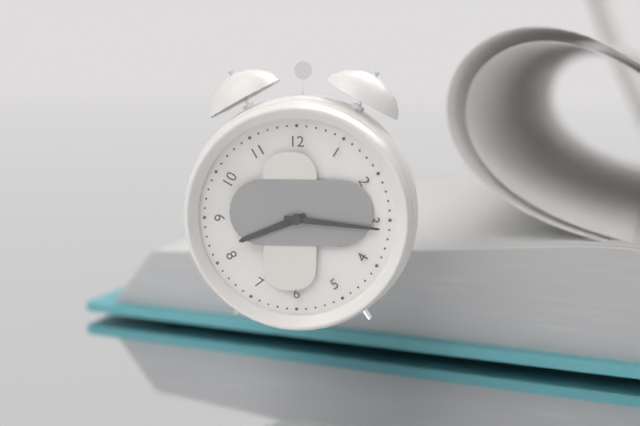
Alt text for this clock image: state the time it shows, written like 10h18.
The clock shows 8h16
